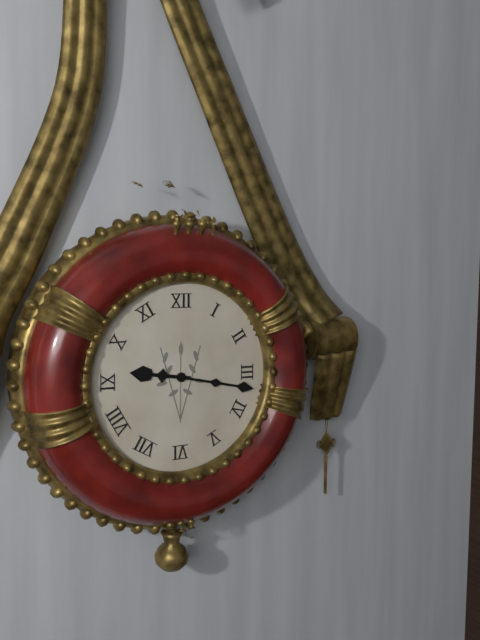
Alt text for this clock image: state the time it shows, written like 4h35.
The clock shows 9h17
